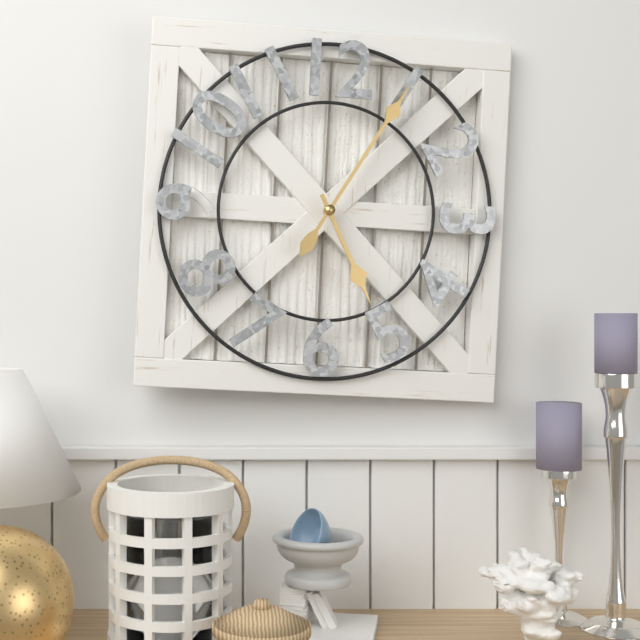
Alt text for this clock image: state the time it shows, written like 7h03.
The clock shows 5h05
